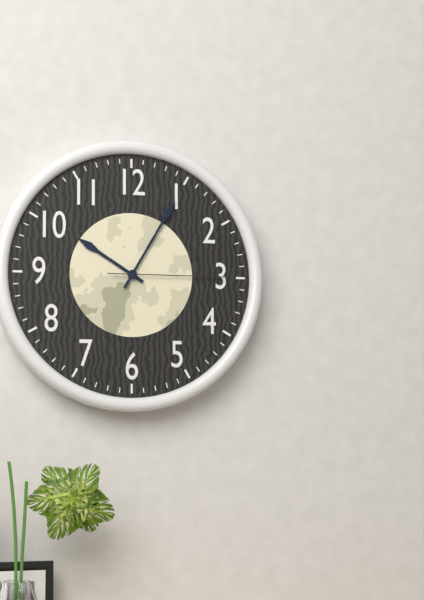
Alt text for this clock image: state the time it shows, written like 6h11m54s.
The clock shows 10h05m15s
